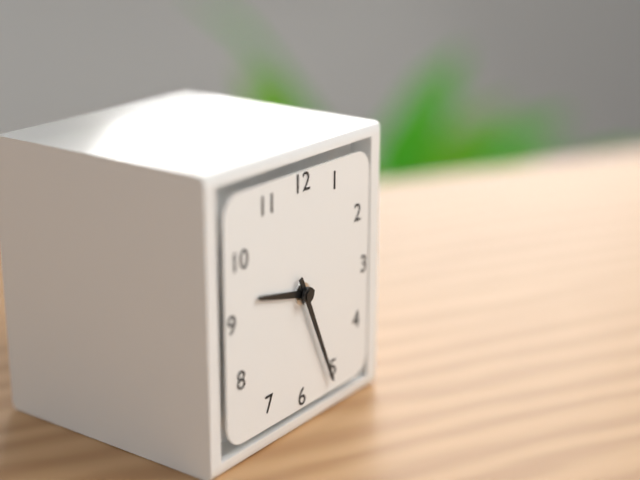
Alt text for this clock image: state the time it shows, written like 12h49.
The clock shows 9h26
